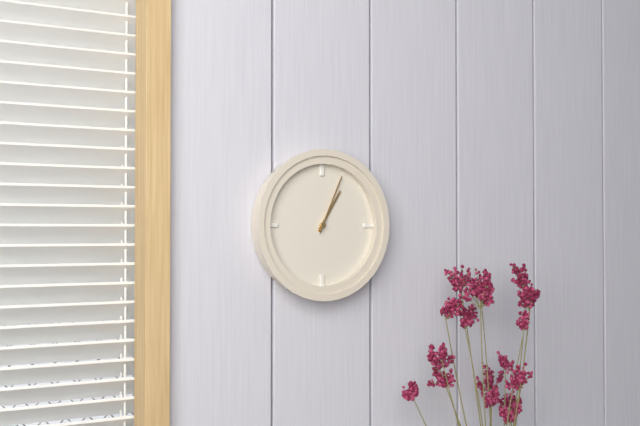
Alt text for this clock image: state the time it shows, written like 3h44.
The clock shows 1h04
